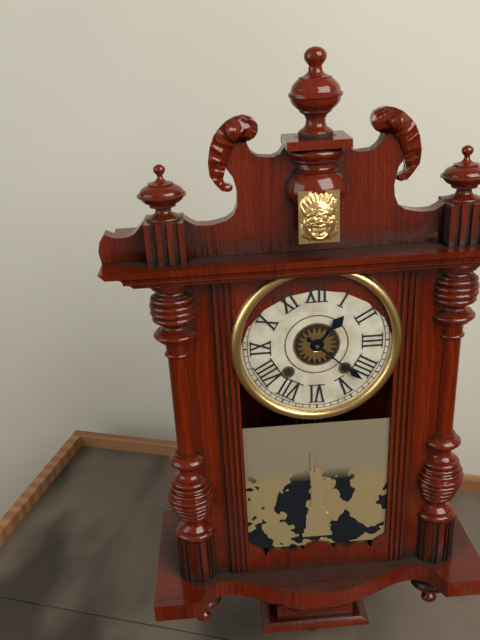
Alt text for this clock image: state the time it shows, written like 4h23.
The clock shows 1h22
